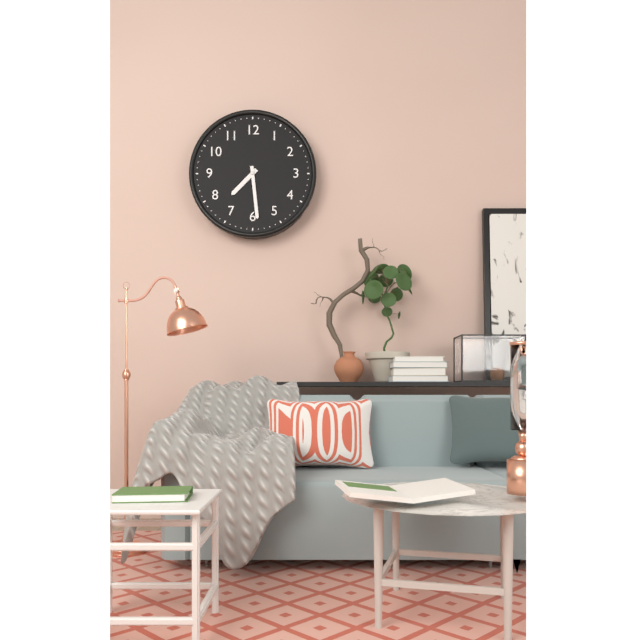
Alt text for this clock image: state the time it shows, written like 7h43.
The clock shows 7h29
